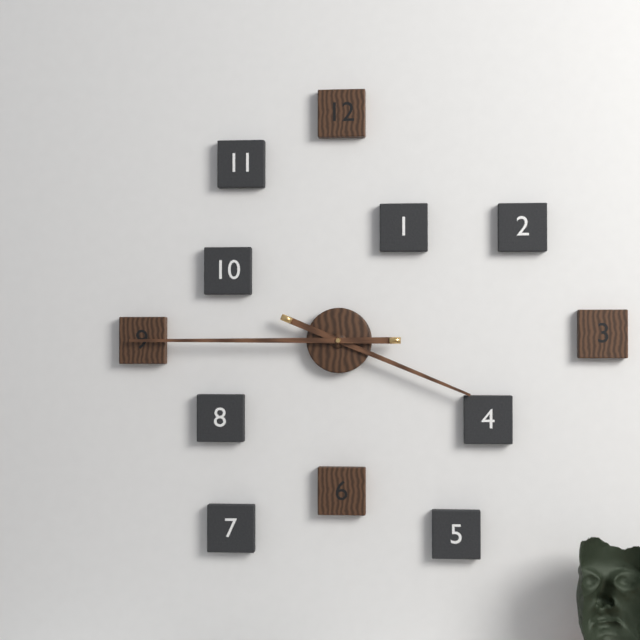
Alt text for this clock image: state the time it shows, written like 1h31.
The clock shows 3h45
